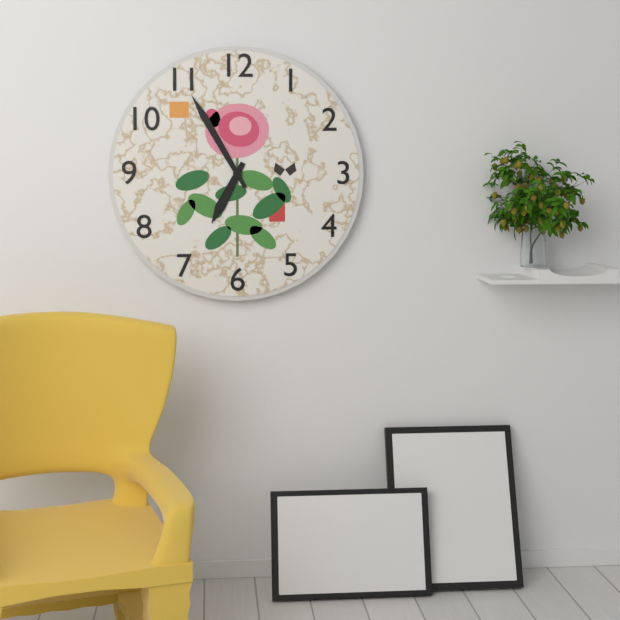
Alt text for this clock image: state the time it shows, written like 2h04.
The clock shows 6h55
